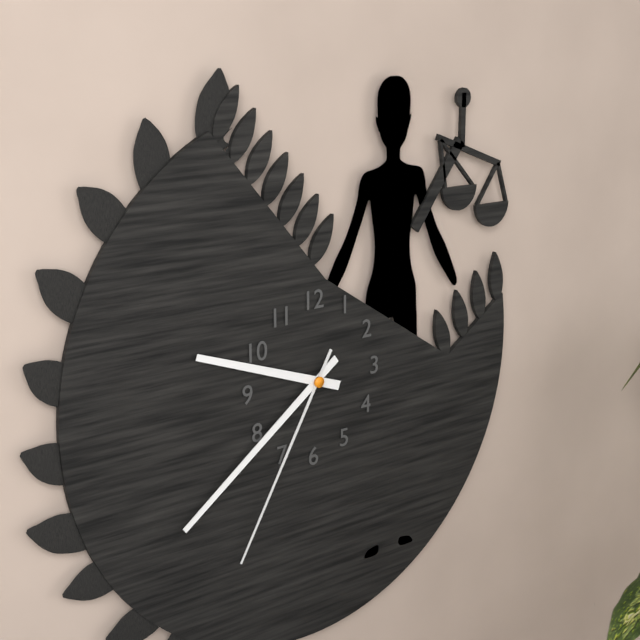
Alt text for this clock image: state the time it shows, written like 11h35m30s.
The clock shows 9h39m35s
